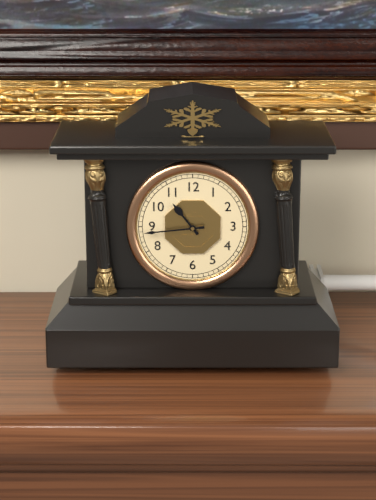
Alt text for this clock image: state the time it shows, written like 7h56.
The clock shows 10h44
